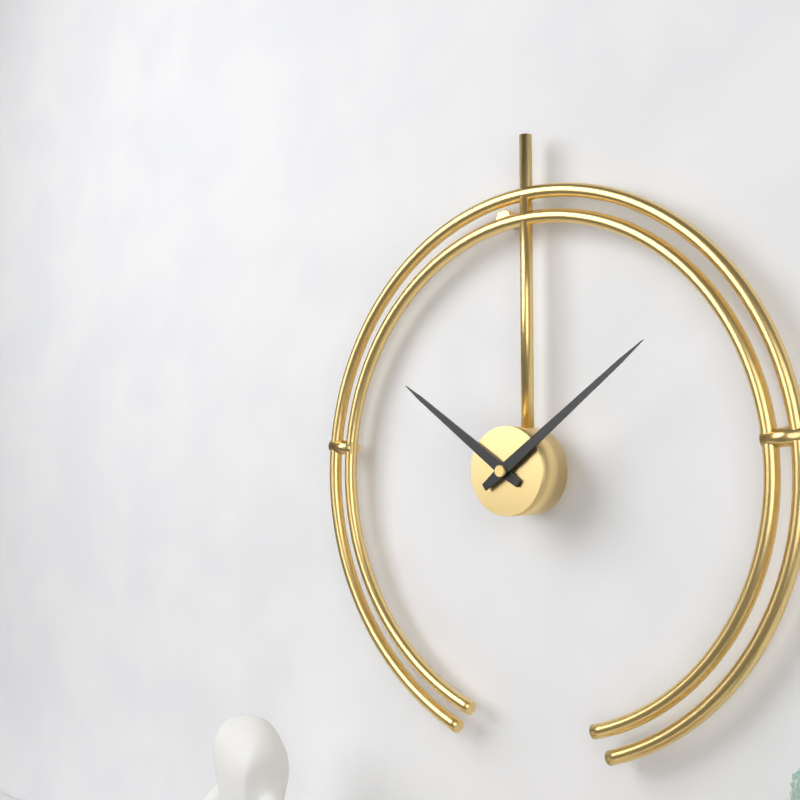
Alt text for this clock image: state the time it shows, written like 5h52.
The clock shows 10h09
